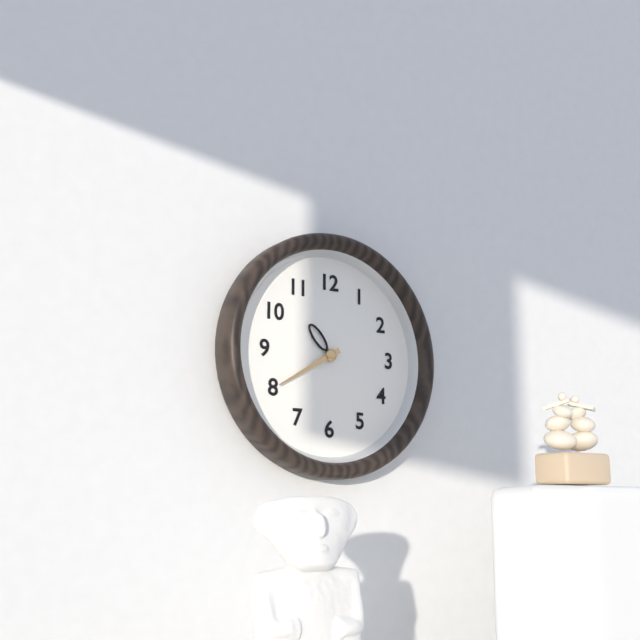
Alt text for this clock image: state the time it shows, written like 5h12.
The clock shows 10h40
